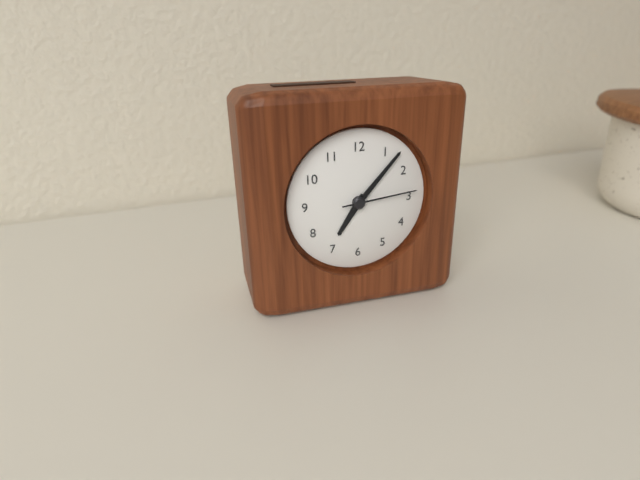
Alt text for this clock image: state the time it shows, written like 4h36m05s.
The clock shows 7h07m14s
